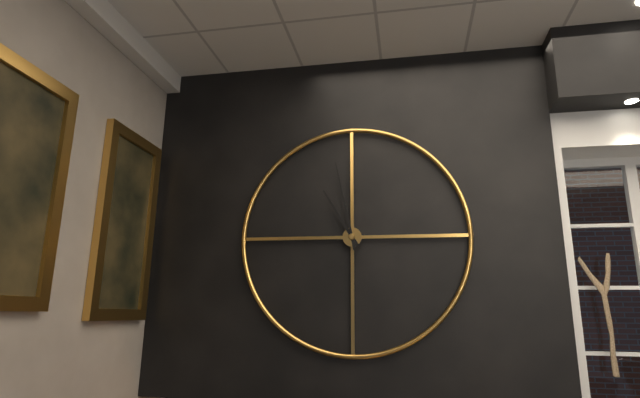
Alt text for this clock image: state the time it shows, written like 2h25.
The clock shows 10h58
